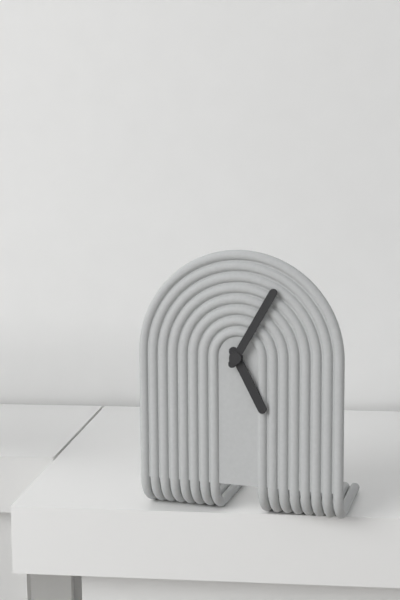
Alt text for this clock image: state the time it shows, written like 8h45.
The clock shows 5h05
